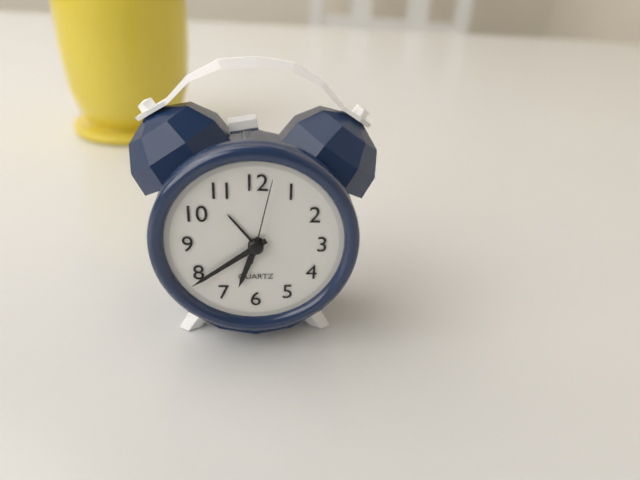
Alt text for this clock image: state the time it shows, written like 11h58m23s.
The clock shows 6h39m02s
